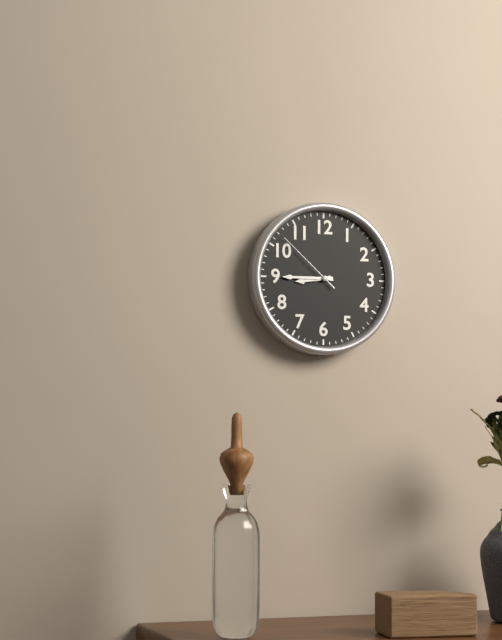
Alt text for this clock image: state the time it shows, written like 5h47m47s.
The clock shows 8h45m52s
